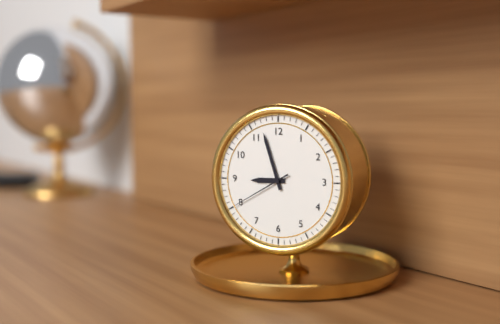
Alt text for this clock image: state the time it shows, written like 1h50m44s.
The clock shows 8h57m40s
